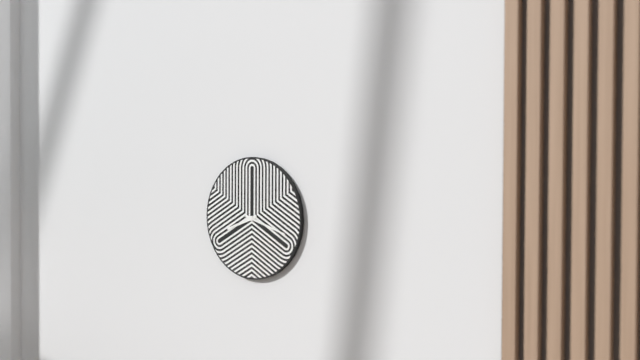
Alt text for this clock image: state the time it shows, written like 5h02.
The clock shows 8h18
